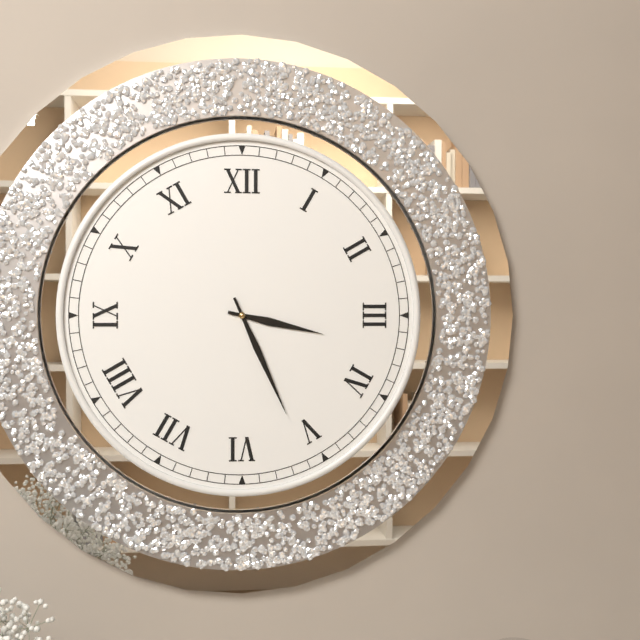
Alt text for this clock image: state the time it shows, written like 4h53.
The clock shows 3h26
